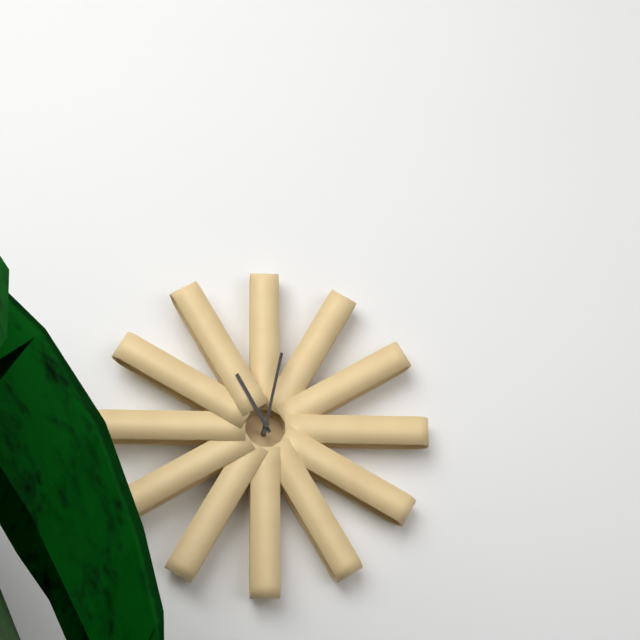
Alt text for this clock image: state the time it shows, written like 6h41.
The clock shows 11h02
